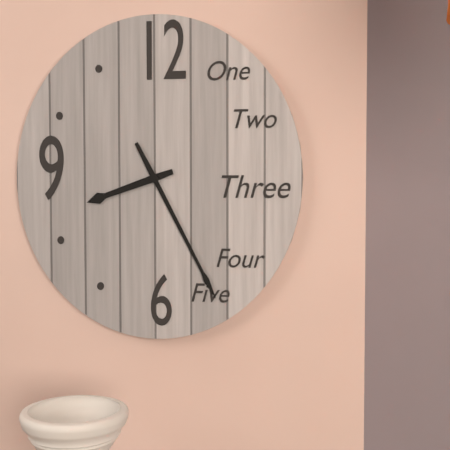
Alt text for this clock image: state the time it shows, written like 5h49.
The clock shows 8h25
